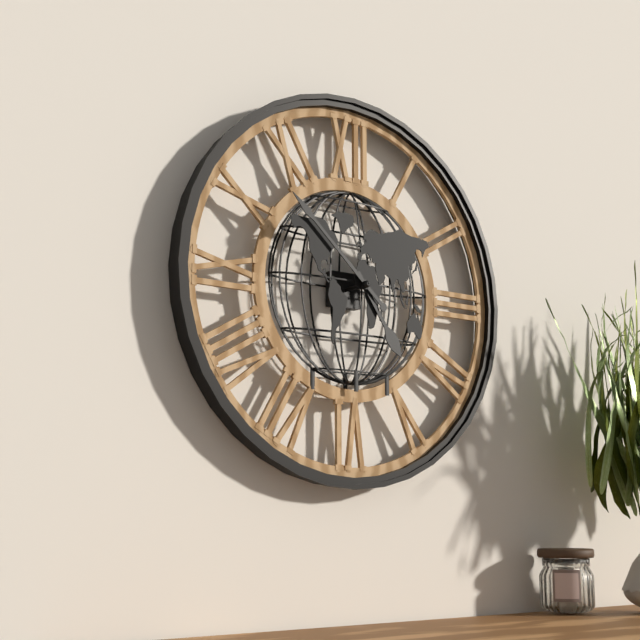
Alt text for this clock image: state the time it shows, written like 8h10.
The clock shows 4h52
